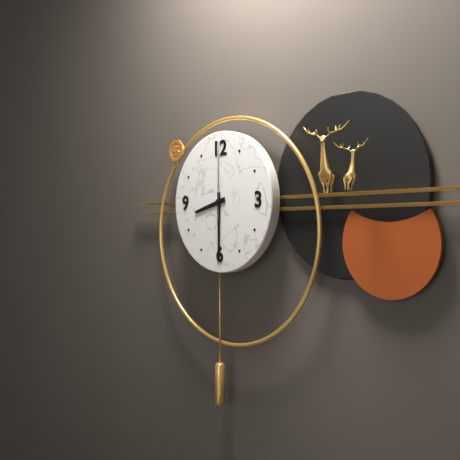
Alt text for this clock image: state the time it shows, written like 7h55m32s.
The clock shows 8h30m00s
